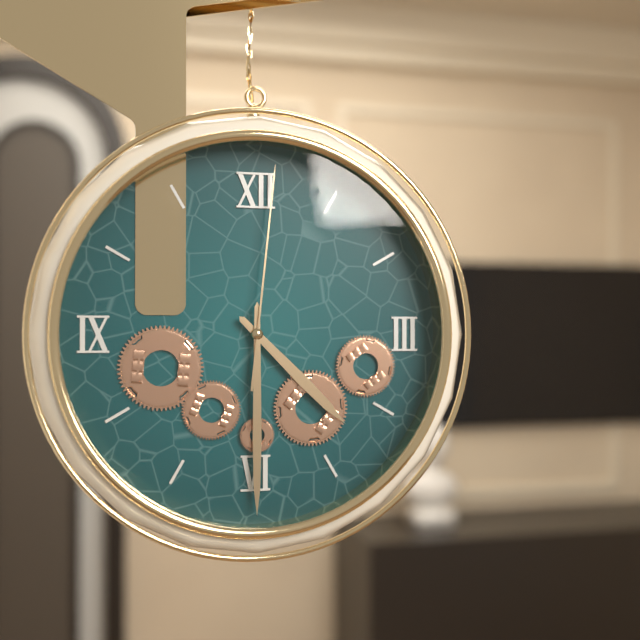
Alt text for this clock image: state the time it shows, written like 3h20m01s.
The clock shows 4h30m01s
